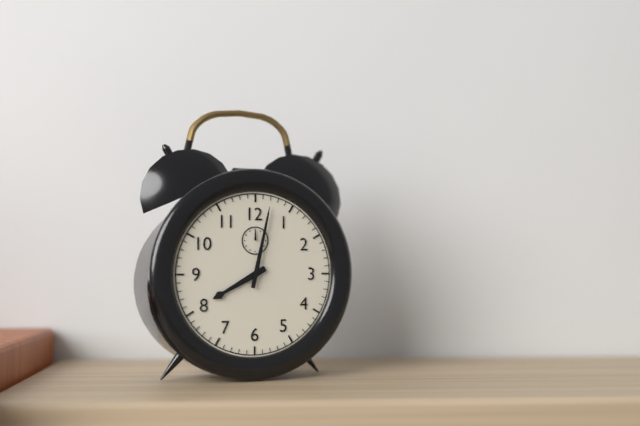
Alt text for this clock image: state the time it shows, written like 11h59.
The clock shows 8h02
